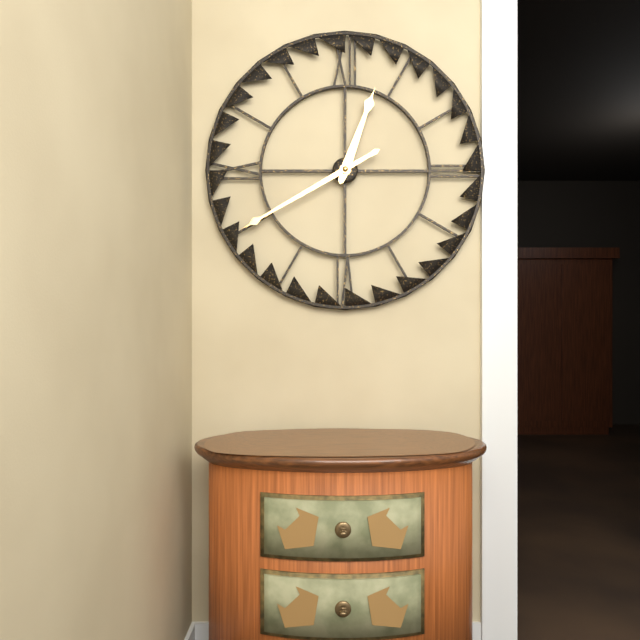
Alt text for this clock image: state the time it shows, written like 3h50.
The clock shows 12h40
